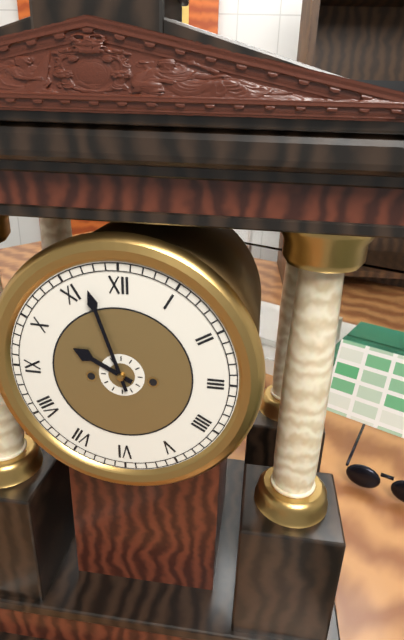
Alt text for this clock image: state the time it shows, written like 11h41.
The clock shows 9h57
